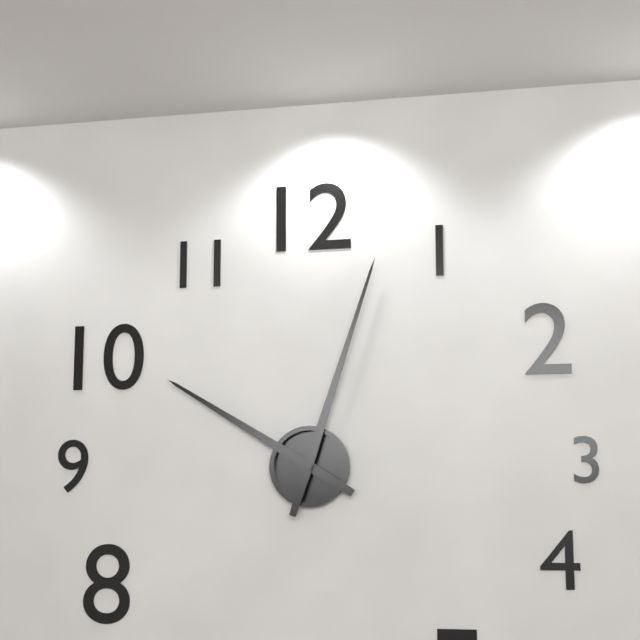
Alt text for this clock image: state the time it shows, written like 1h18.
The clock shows 10h03
